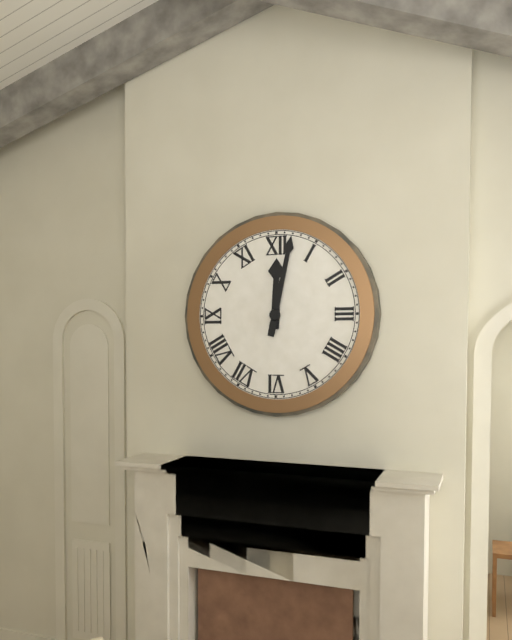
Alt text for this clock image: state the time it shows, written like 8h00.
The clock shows 12h02
